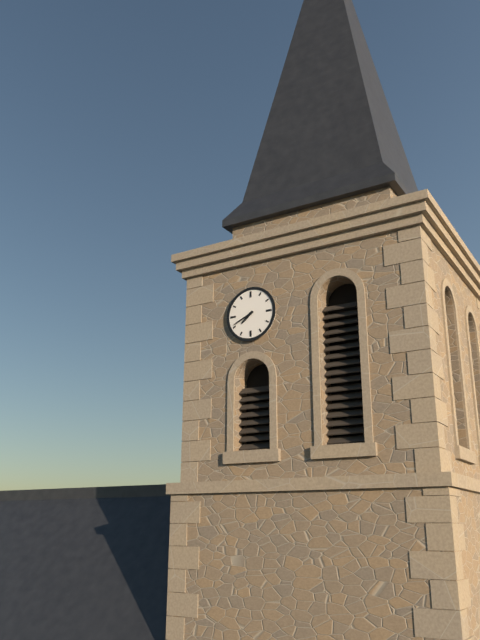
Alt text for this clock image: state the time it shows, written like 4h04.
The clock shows 7h41
